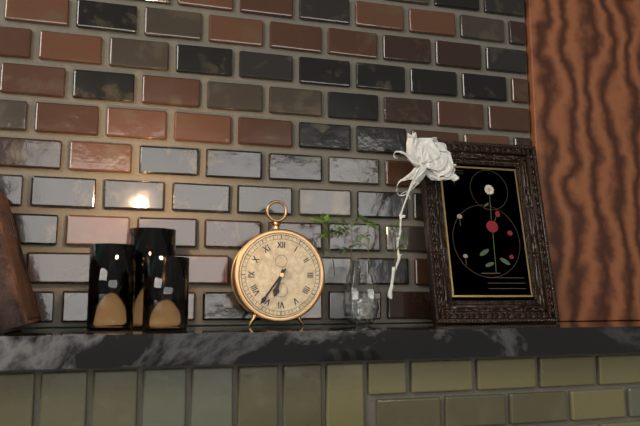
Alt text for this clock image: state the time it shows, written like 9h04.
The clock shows 6h36
